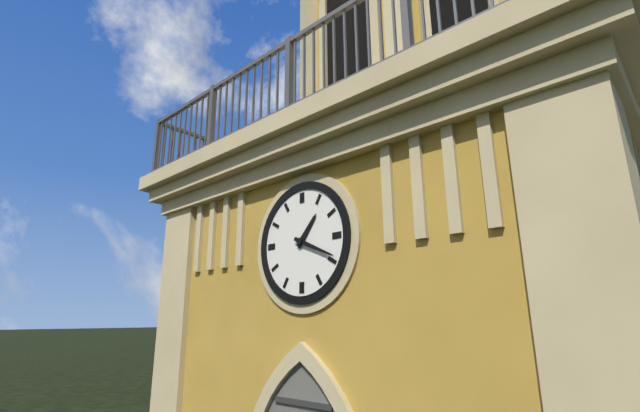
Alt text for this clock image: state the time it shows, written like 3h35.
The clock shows 1h19
